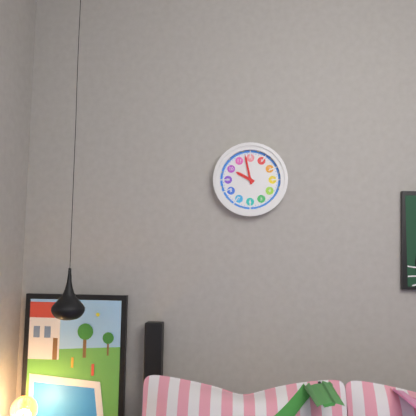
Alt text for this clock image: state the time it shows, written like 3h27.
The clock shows 9h58
